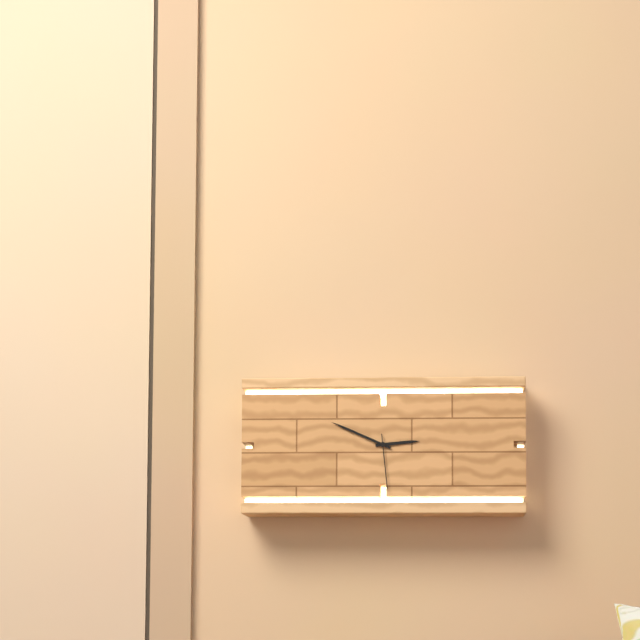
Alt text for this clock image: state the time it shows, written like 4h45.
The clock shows 2h49
